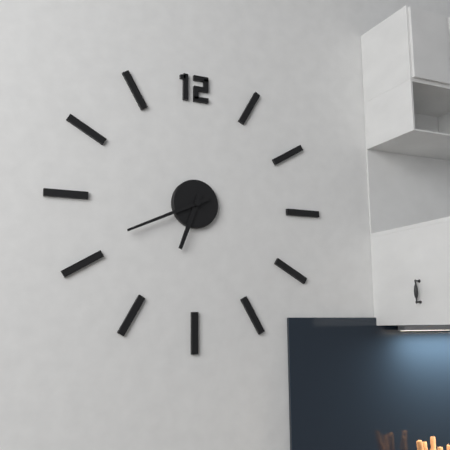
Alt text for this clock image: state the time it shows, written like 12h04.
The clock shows 6h41
